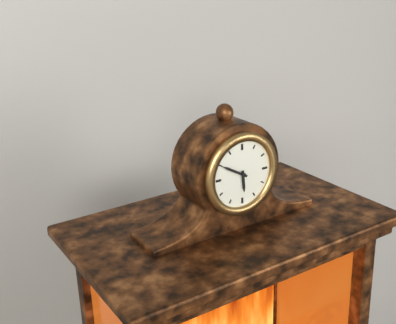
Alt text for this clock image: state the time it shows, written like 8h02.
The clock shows 5h50
